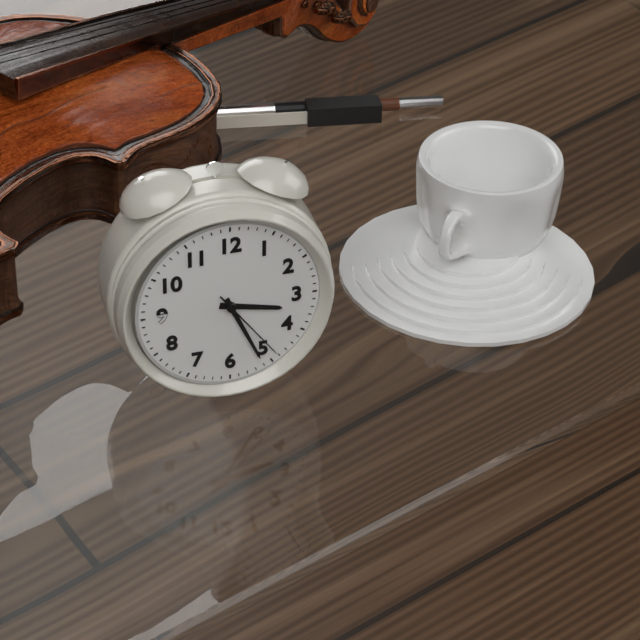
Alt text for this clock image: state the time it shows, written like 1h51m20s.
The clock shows 3h26m24s
